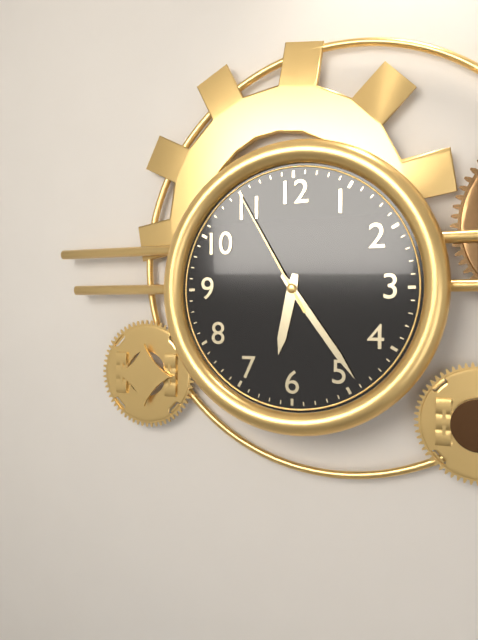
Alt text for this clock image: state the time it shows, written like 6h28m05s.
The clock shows 6h24m55s
